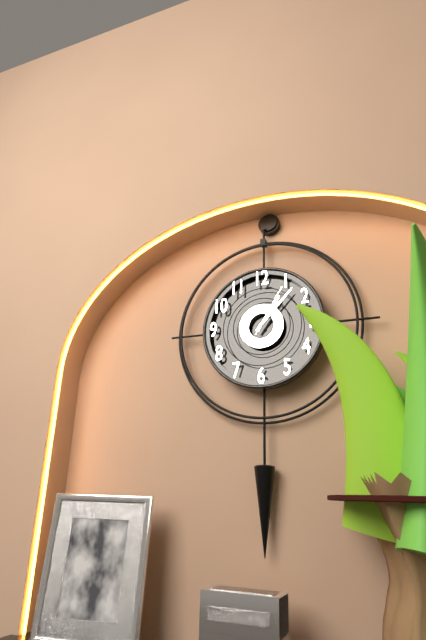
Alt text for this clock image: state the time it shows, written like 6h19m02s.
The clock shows 1h07m05s
